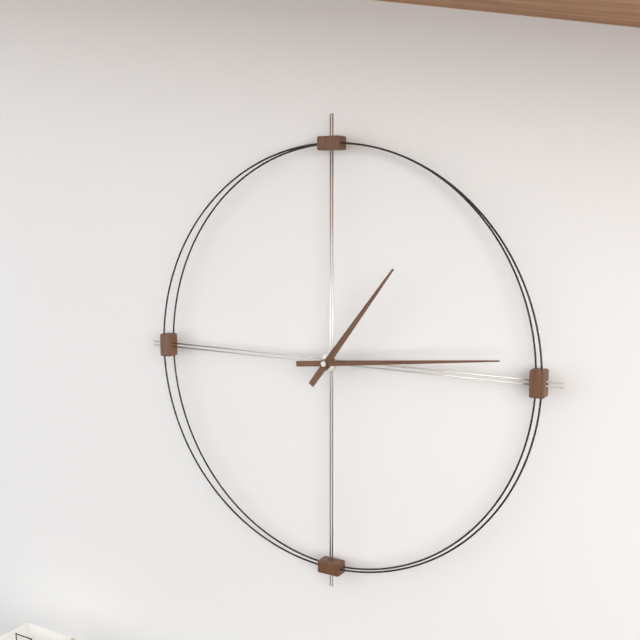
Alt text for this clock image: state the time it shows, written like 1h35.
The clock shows 1h14
